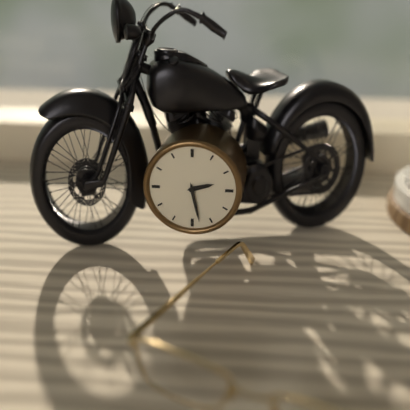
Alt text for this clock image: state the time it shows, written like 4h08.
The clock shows 2h28
